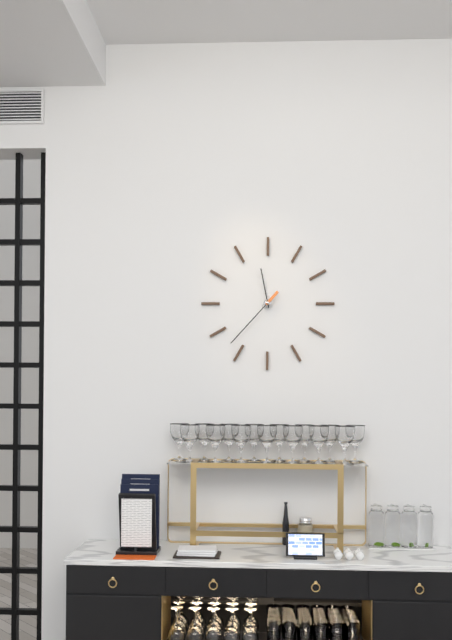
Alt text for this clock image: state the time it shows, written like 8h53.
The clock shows 11h37
